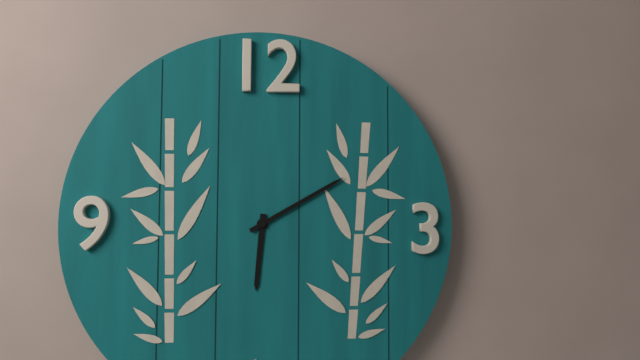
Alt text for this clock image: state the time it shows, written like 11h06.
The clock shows 6h10
